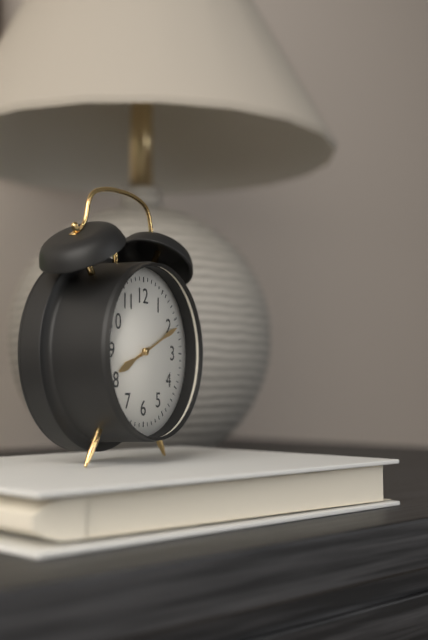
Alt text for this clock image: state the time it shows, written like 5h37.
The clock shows 8h11
